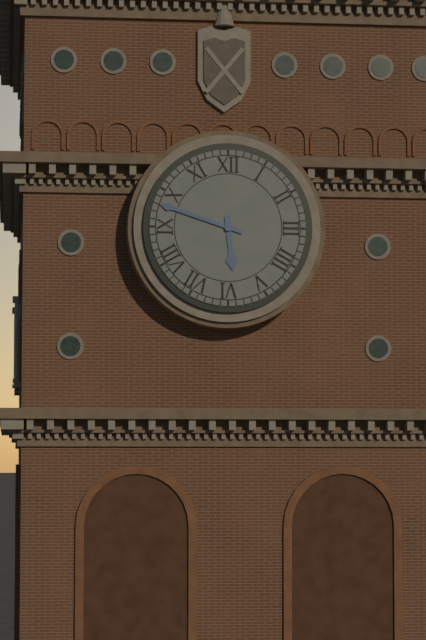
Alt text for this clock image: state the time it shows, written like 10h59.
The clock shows 5h48
